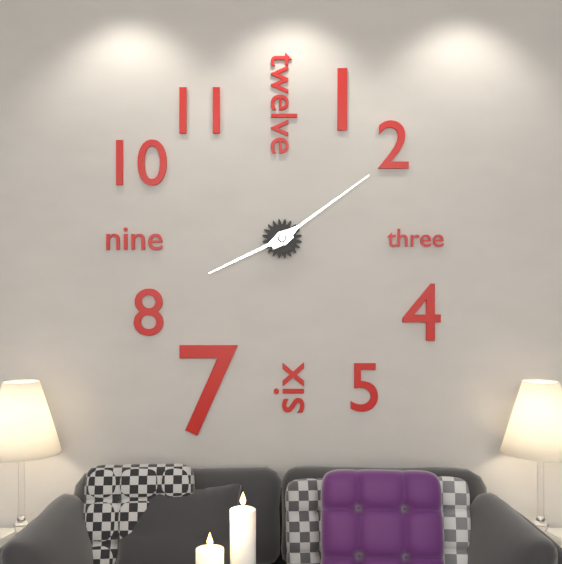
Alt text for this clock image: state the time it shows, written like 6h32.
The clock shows 8h09
